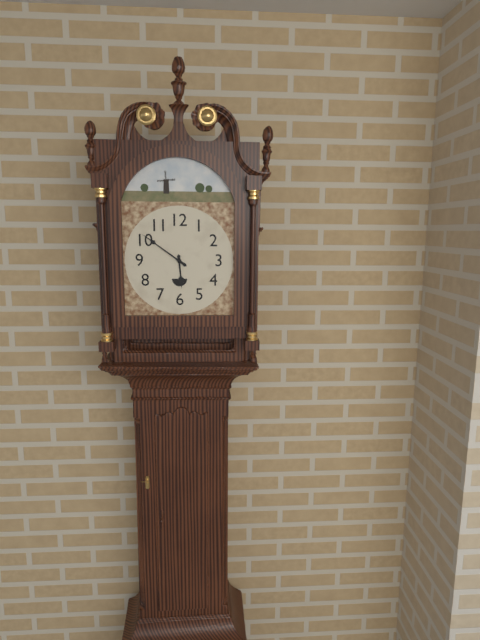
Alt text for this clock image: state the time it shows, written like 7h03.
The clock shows 5h51
